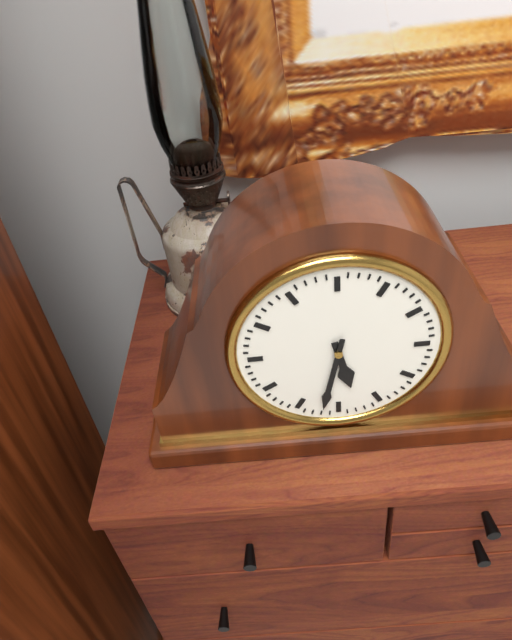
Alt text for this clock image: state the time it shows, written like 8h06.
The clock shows 5h32
